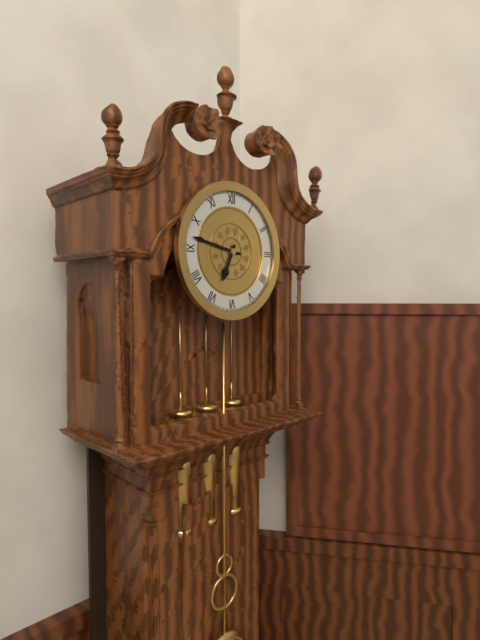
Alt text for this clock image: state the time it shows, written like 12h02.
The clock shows 6h47
